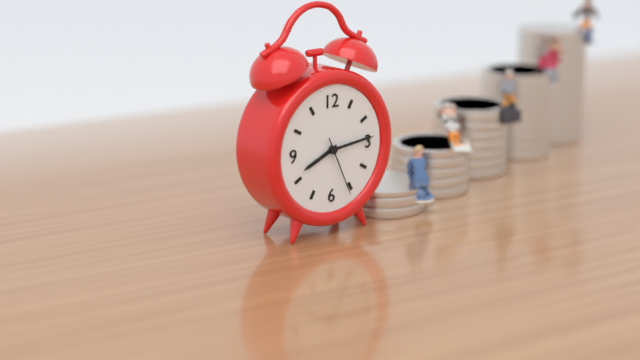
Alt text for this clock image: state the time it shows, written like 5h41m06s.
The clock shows 8h14m26s
